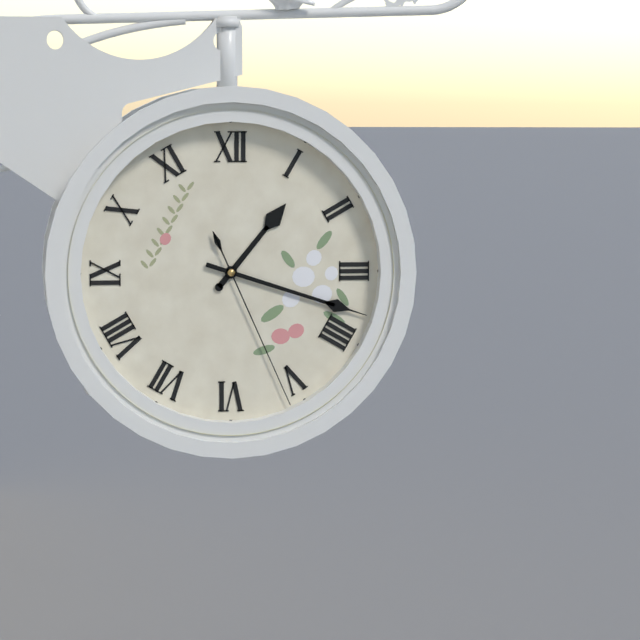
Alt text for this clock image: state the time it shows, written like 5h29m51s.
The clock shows 1h18m26s
